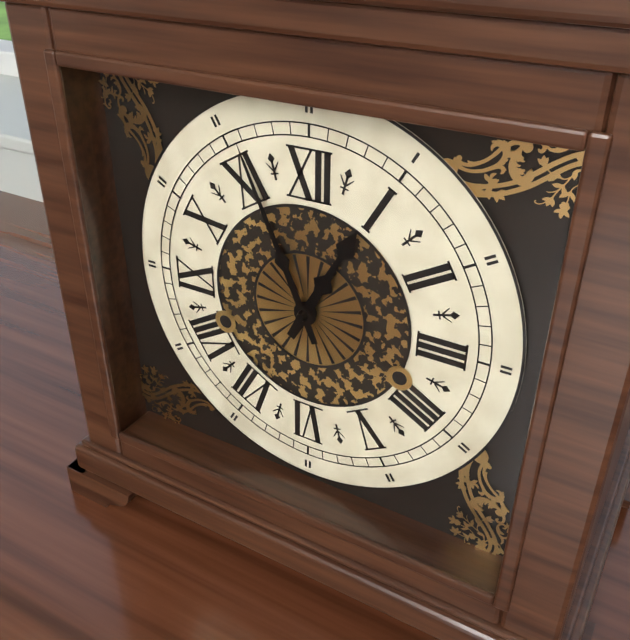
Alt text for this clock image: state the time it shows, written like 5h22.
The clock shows 12h56
